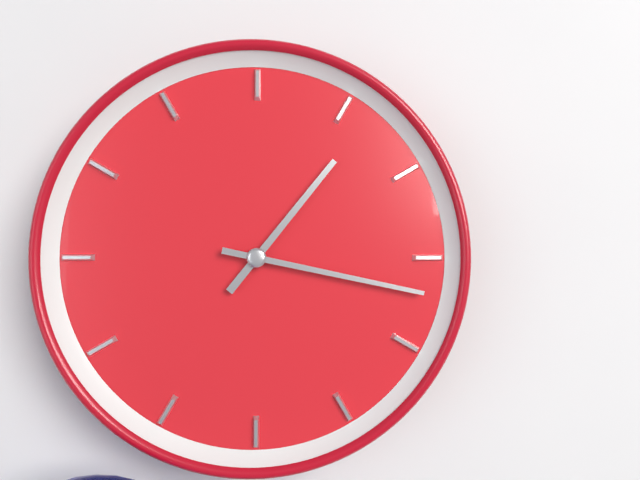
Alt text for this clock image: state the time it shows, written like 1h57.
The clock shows 1h17
